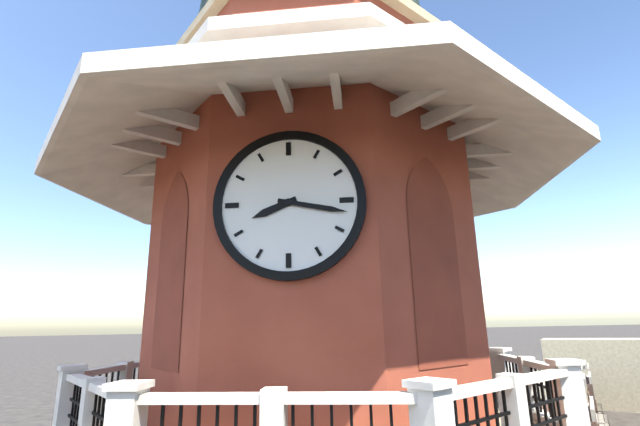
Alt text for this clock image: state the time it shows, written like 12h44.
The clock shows 8h17
